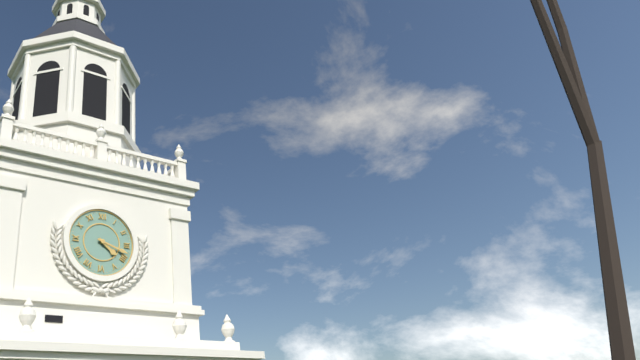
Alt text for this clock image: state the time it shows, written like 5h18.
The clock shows 4h18
